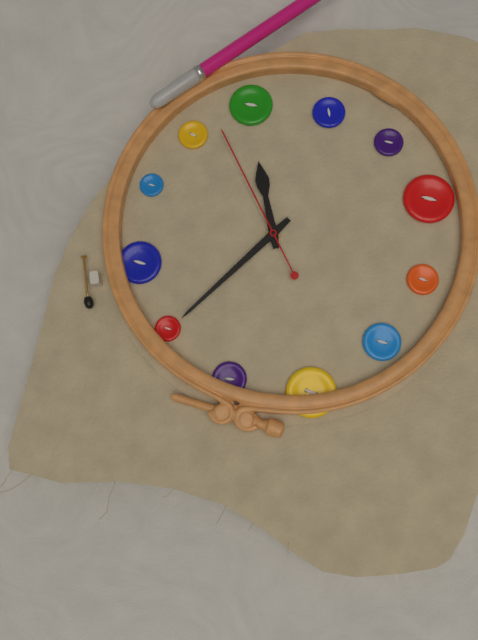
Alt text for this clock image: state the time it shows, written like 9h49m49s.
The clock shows 5h05m23s
